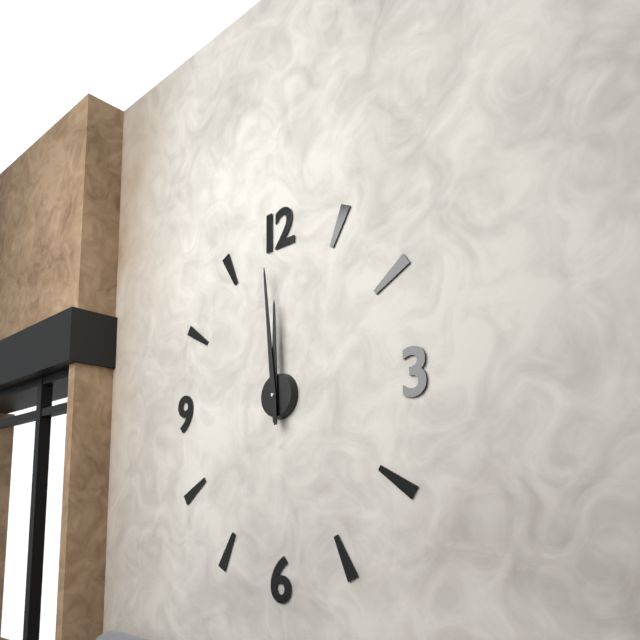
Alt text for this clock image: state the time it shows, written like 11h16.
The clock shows 11h59
